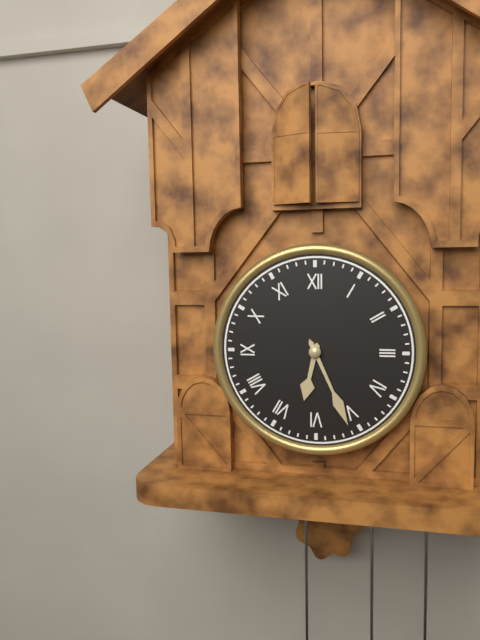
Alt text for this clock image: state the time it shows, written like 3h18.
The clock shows 6h26
